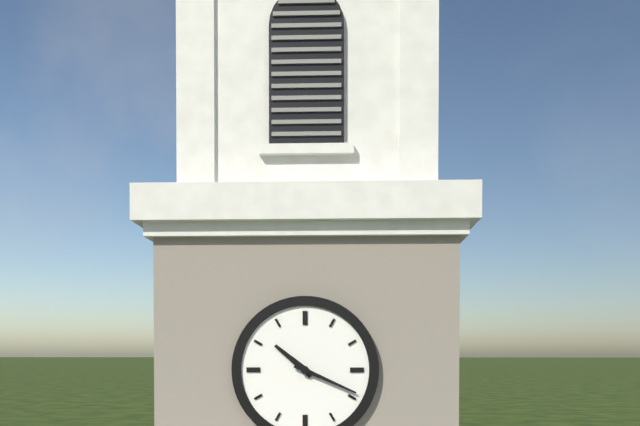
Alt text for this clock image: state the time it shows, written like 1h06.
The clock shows 10h19
